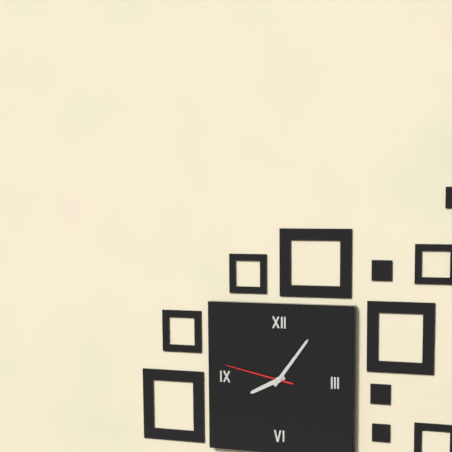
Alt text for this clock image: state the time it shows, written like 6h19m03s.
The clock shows 8h06m47s
